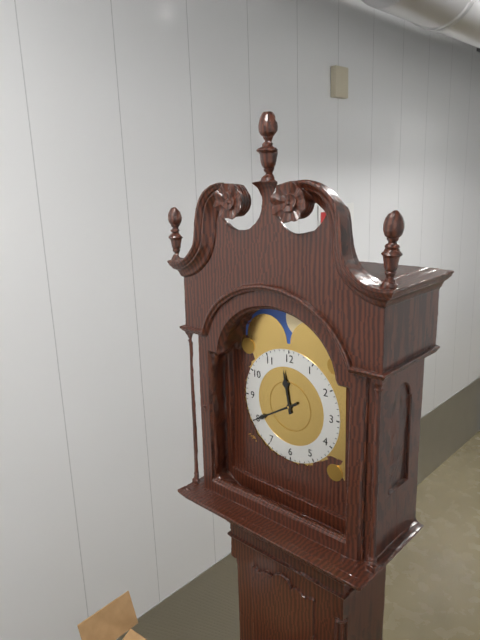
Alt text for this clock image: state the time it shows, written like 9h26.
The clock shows 11h40
